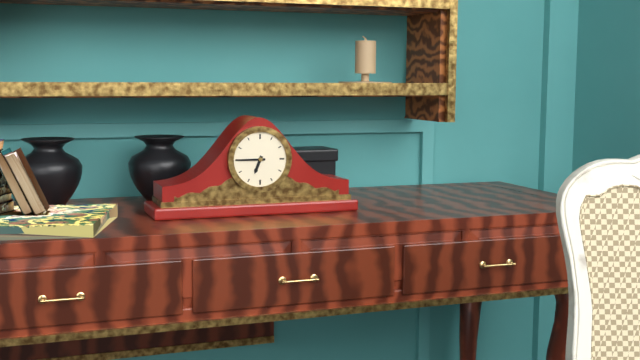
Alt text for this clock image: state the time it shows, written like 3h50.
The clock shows 6h45
